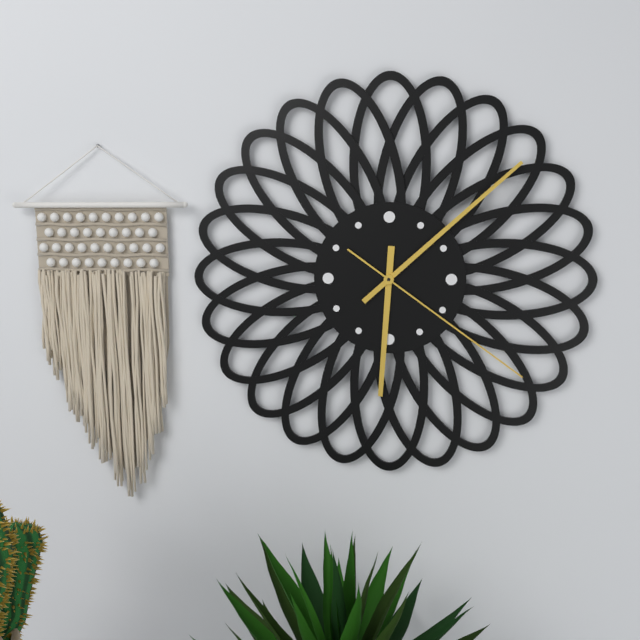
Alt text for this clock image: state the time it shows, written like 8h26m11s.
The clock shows 6h08m21s
